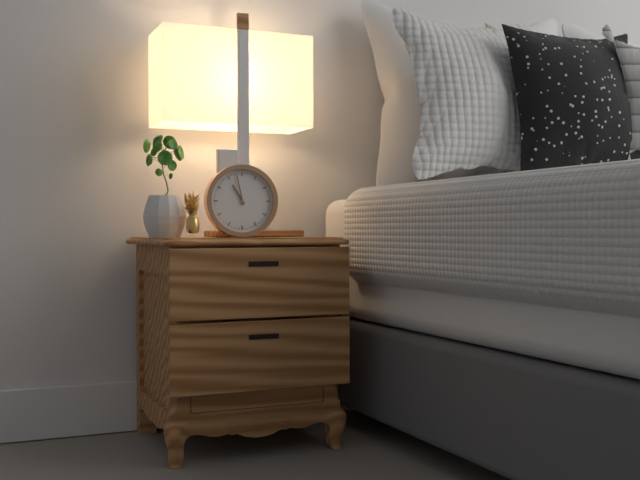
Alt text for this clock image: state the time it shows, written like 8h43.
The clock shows 10h58
